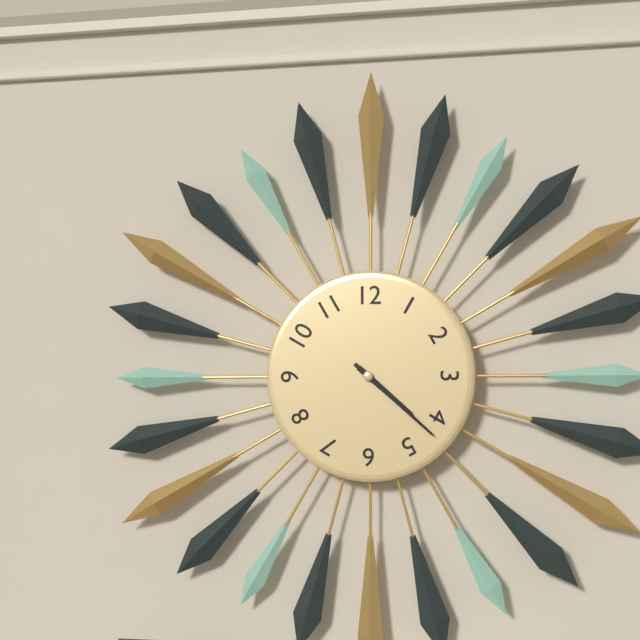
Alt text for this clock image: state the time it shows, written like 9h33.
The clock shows 4h22
